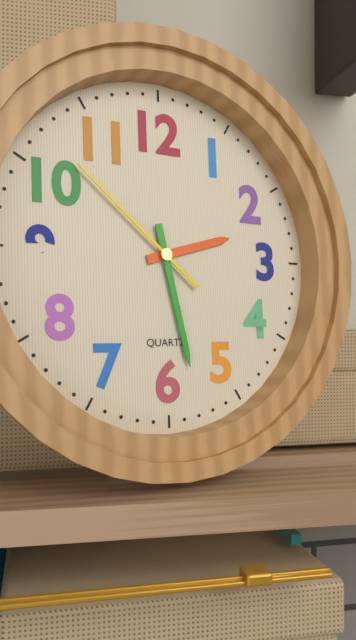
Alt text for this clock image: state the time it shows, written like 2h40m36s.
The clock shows 2h28m52s
